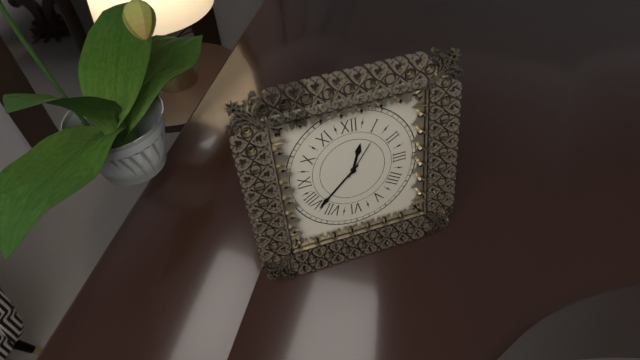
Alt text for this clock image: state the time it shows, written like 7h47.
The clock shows 12h38
